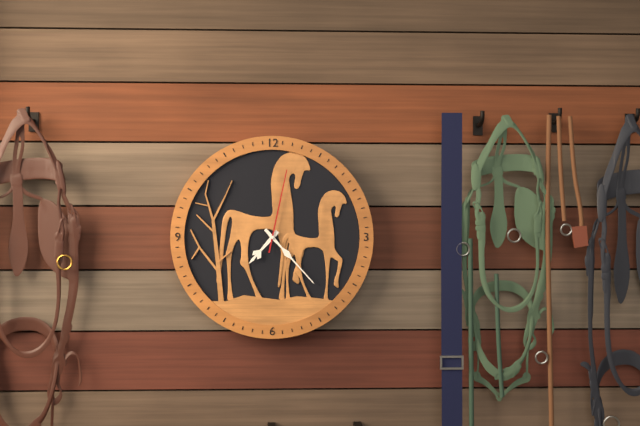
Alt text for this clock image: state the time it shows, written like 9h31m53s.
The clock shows 7h23m02s
